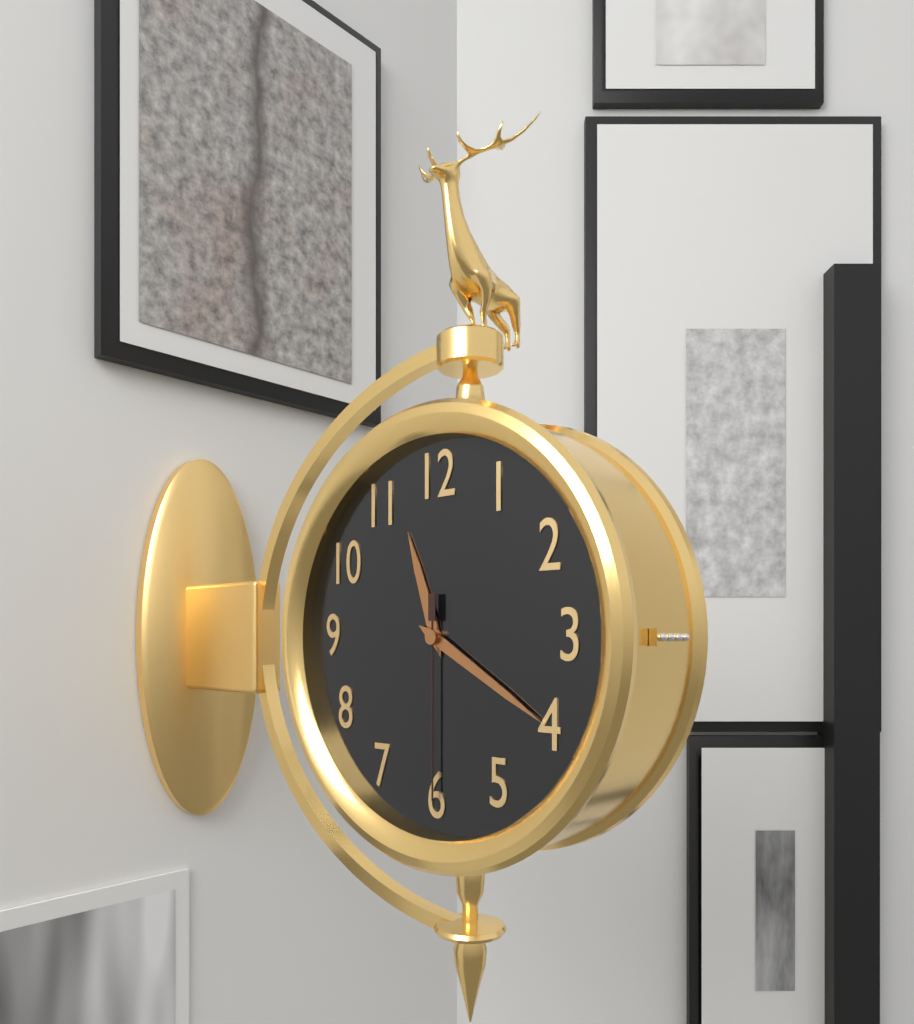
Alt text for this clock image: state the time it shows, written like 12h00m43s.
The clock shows 11h20m30s
